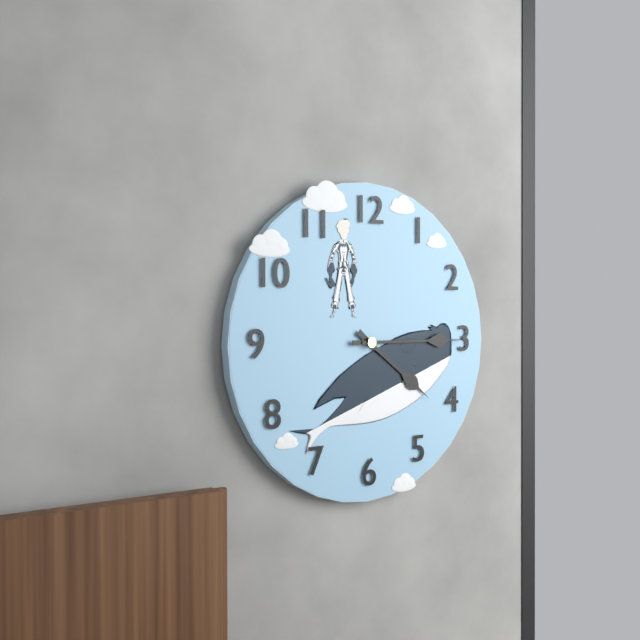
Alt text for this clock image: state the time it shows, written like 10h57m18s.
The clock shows 4h15m15s
